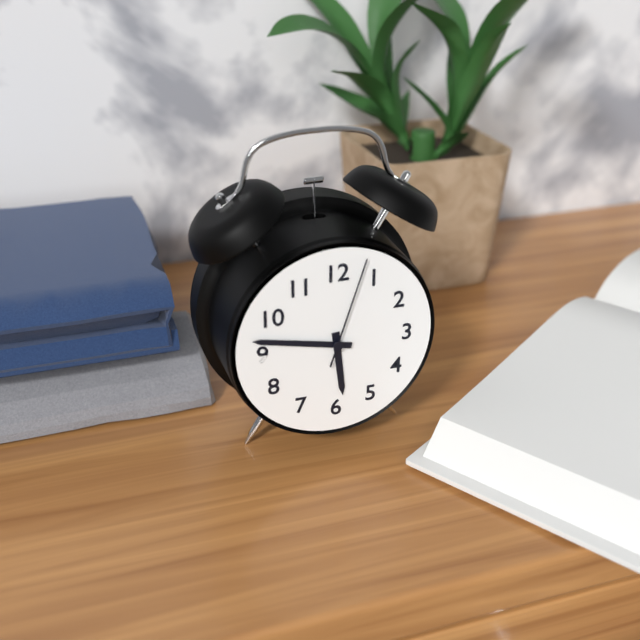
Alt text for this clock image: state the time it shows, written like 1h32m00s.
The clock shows 5h47m03s
